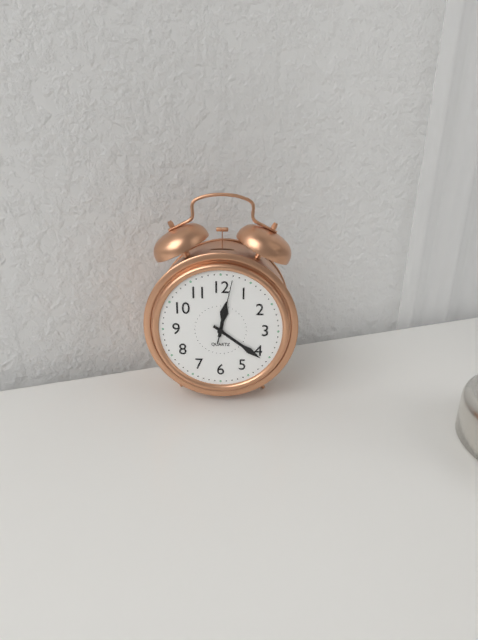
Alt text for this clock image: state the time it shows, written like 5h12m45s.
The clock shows 12h21m02s
